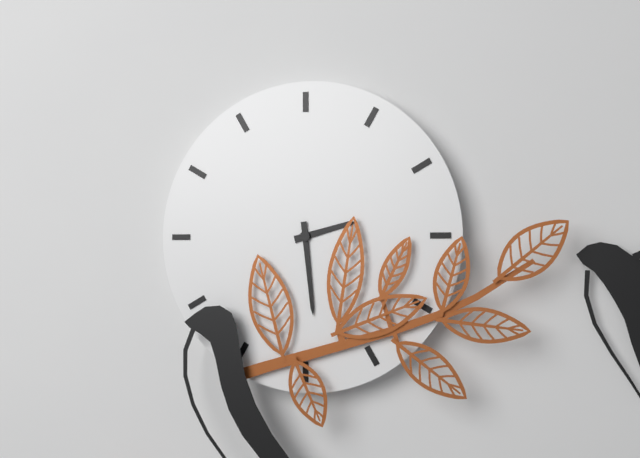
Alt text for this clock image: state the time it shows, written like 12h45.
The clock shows 2h29
